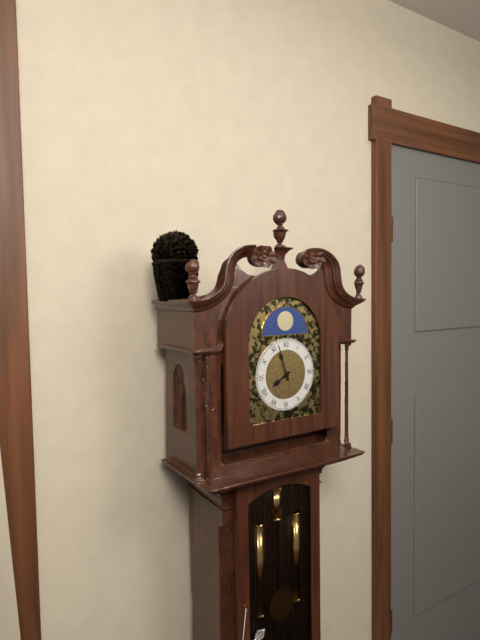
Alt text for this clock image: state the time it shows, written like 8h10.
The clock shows 7h57
